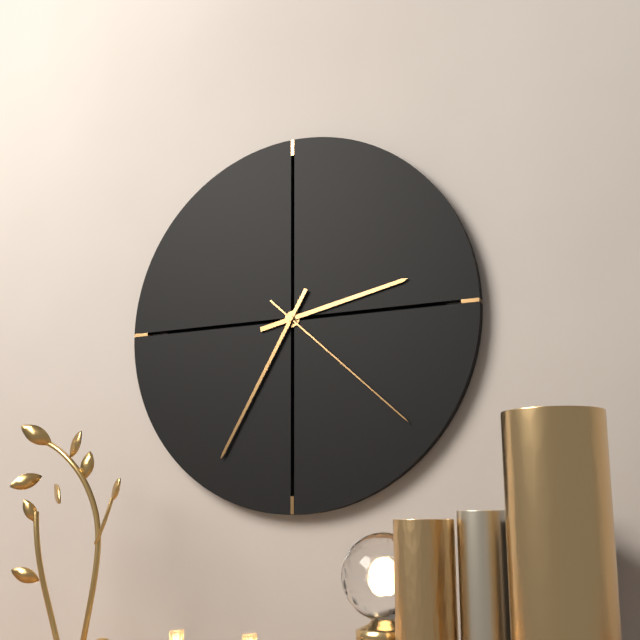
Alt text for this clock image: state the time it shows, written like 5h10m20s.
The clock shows 2h35m22s
